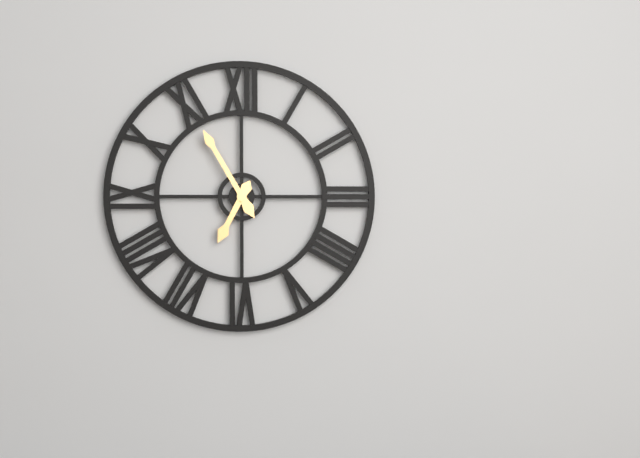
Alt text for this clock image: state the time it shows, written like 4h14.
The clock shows 6h55
